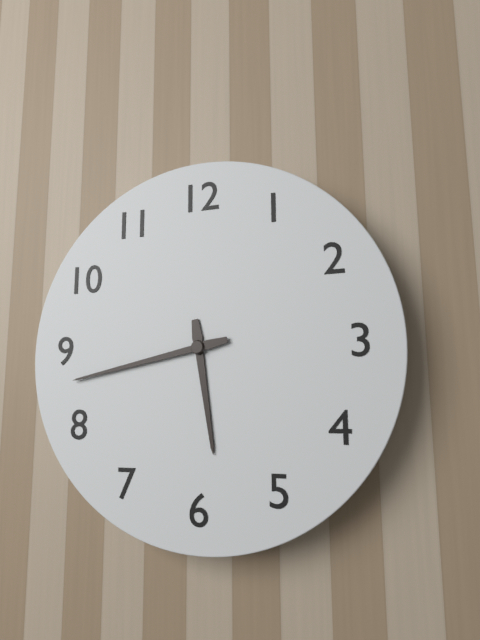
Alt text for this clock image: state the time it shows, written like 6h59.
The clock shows 5h43
